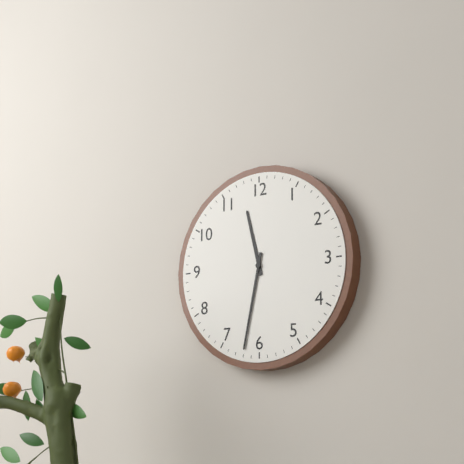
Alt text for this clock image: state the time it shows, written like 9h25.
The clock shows 11h32
